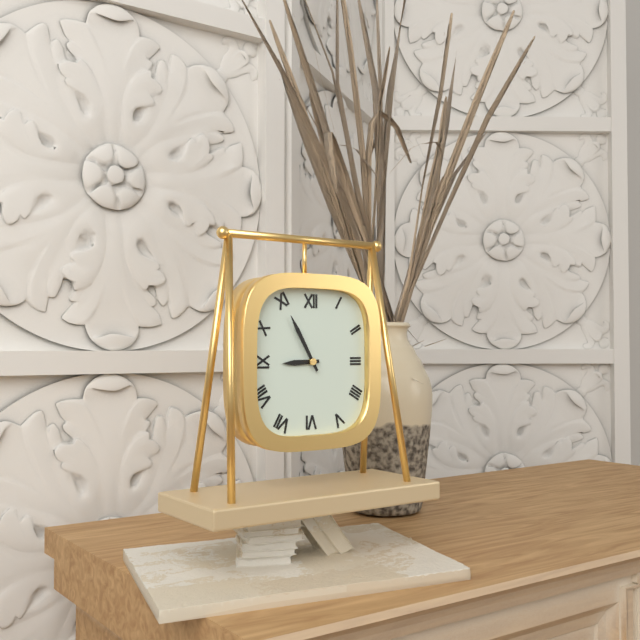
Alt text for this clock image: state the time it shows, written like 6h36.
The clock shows 8h55
